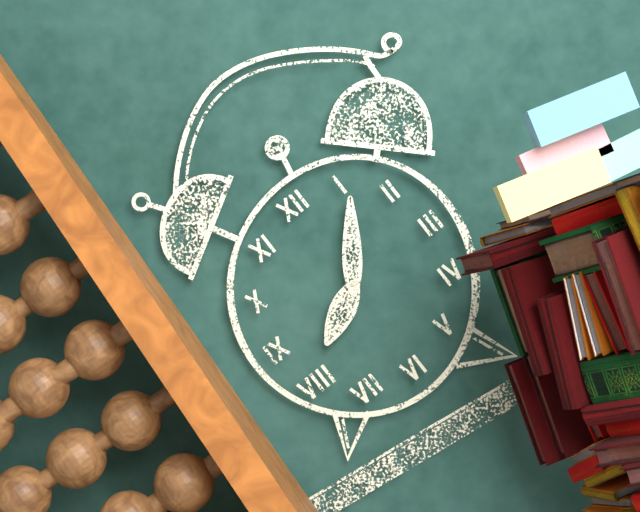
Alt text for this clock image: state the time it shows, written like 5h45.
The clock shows 8h06
